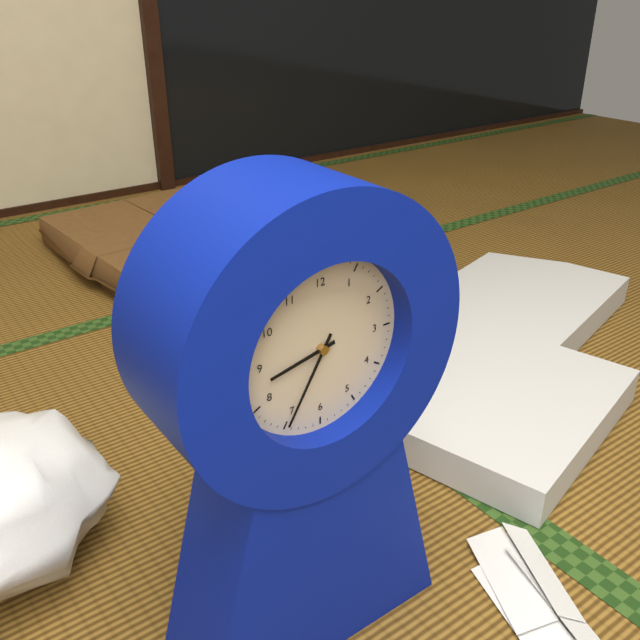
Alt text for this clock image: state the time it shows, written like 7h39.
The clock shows 8h35
